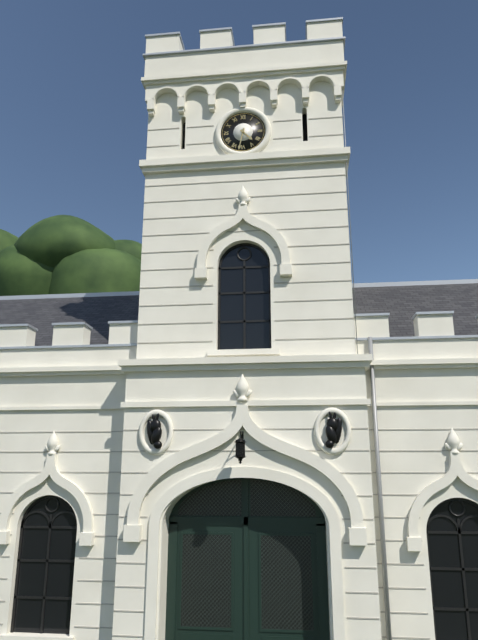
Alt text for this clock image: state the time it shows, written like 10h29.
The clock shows 4h32
